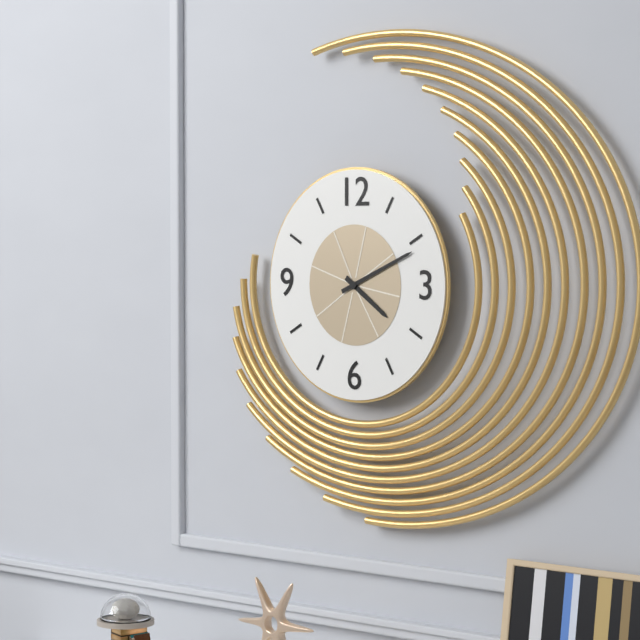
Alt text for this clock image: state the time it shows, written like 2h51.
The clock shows 4h11
